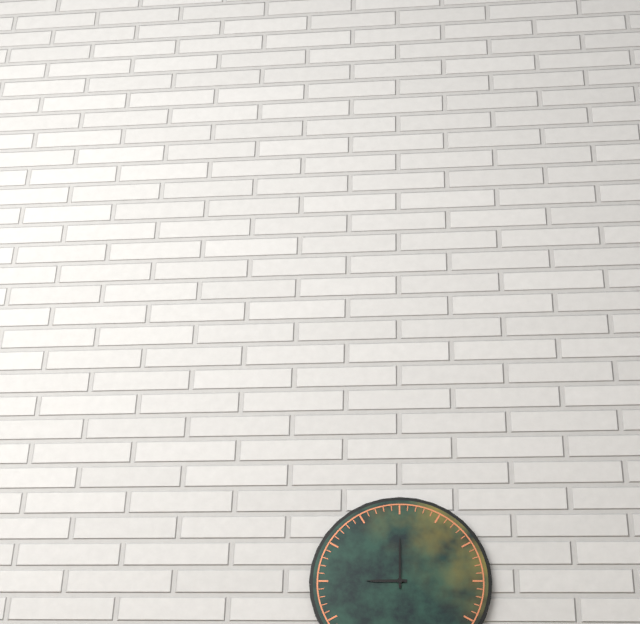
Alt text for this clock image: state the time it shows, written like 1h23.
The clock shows 9h00
